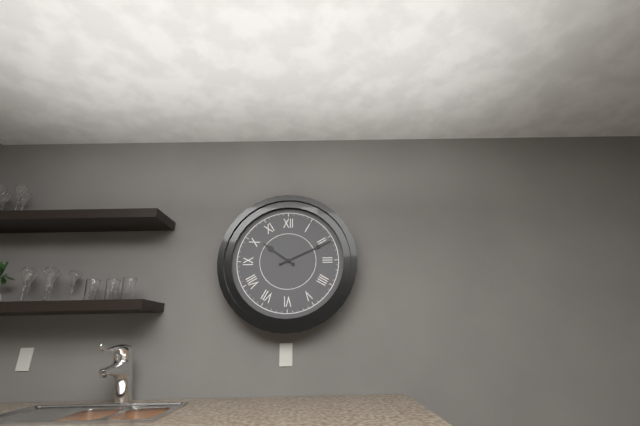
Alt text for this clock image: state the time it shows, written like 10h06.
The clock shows 10h11
